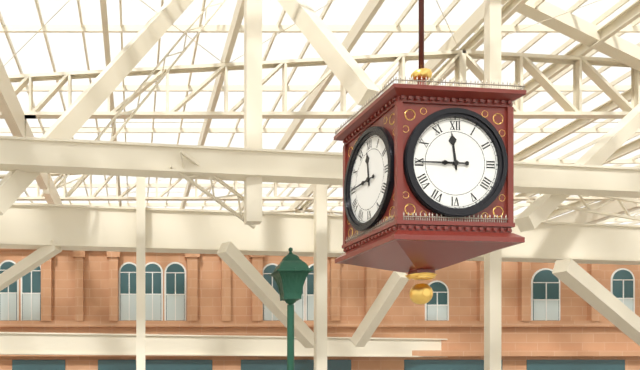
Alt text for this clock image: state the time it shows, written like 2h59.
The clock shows 11h45
